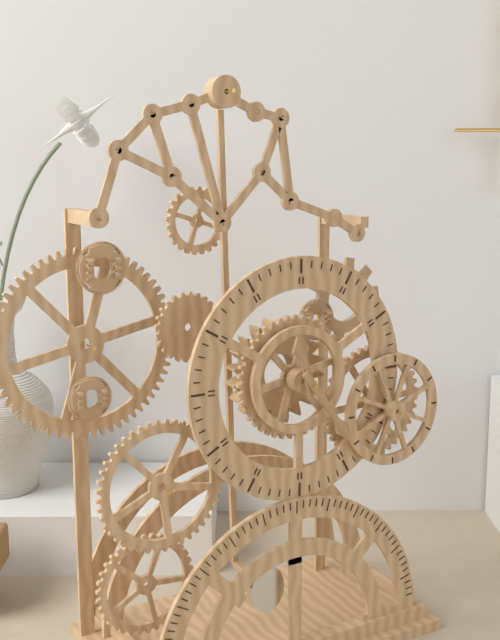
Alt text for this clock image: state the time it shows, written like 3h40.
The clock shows 11h24
